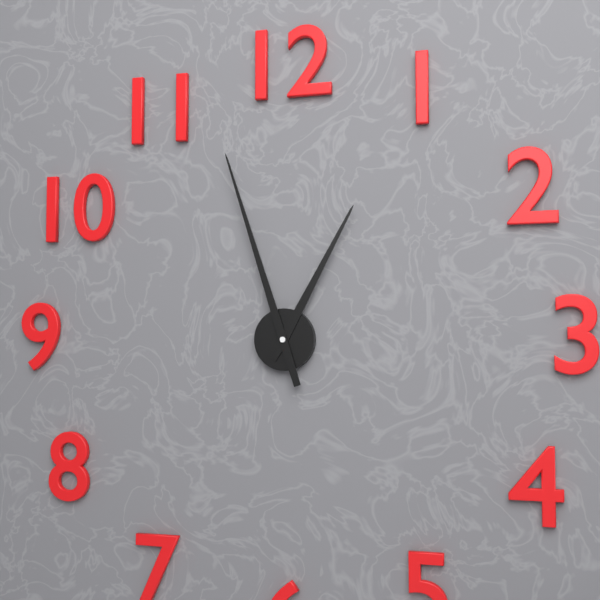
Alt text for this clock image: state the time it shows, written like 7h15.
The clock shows 12h57
